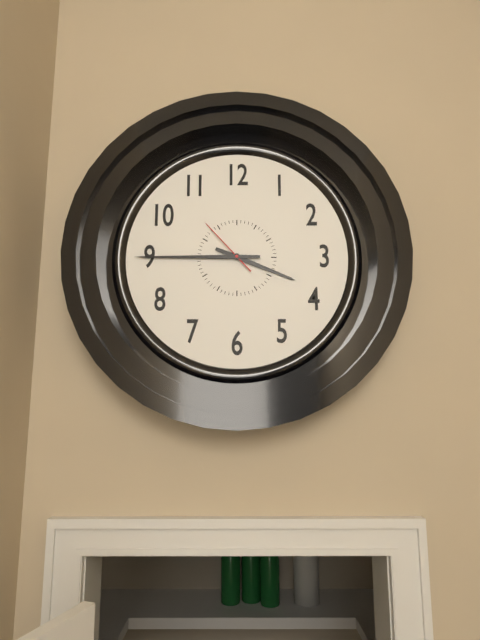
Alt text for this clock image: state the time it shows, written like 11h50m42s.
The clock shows 3h45m53s
